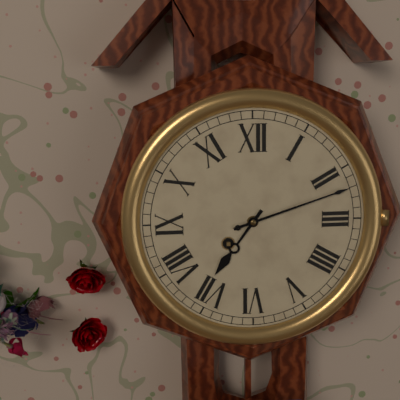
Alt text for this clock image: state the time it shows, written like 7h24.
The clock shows 7h12
